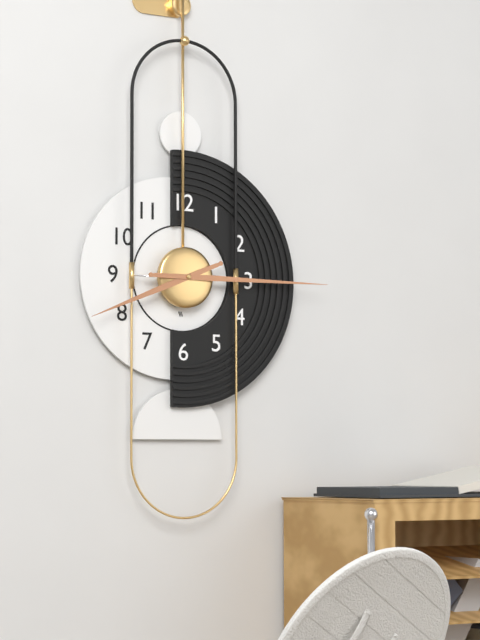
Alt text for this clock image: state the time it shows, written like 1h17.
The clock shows 8h15
